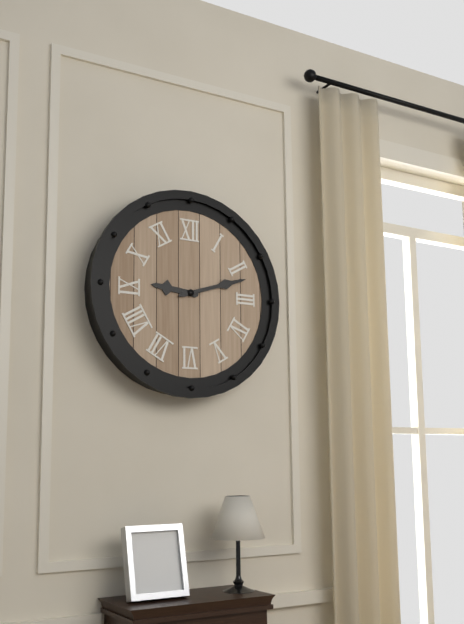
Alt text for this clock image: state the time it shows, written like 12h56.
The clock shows 9h12
